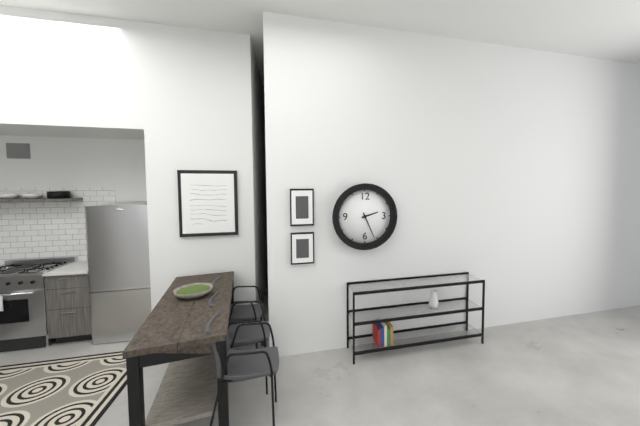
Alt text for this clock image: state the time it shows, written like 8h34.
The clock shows 2h26
